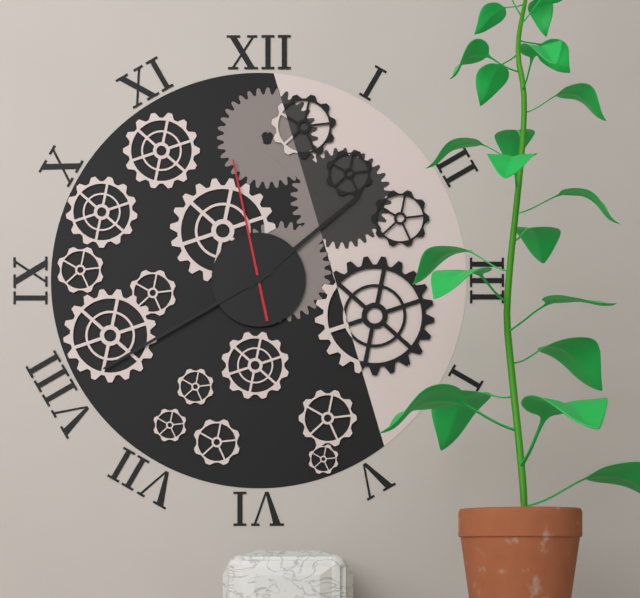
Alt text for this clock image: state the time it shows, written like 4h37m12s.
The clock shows 1h40m58s
